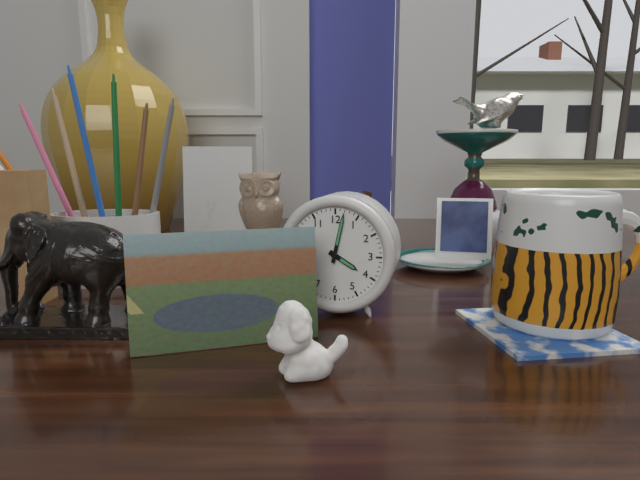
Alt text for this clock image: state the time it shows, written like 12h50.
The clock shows 4h02
